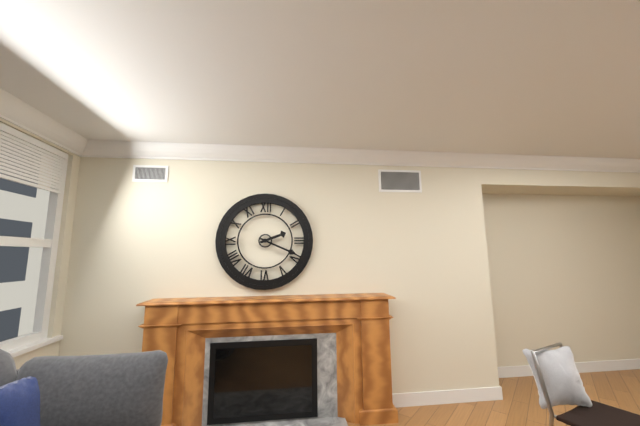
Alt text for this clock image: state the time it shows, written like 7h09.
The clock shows 2h19
